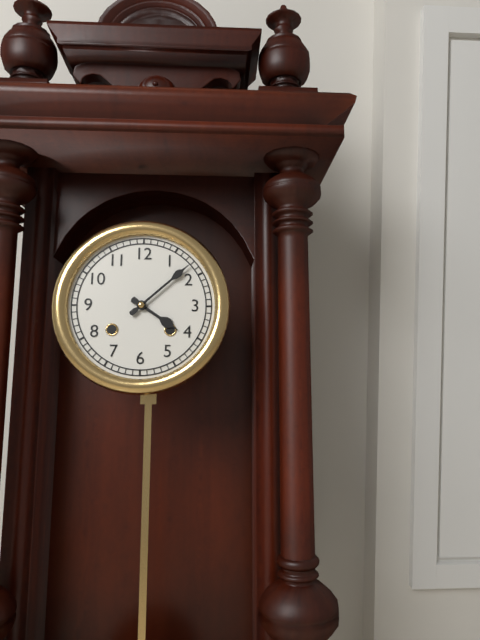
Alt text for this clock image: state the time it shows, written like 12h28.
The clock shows 4h08
